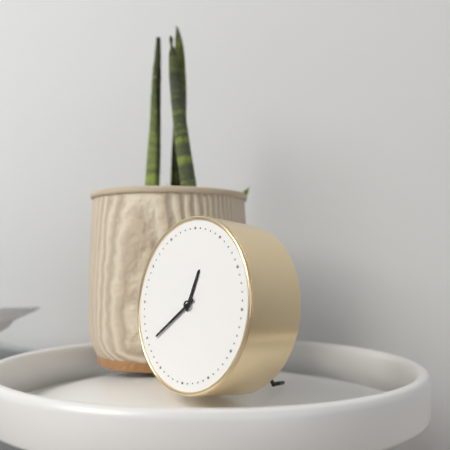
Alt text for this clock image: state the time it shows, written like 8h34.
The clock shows 12h39
